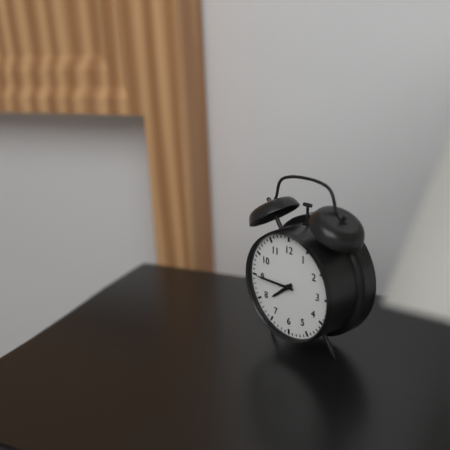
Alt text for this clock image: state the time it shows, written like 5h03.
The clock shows 7h45
